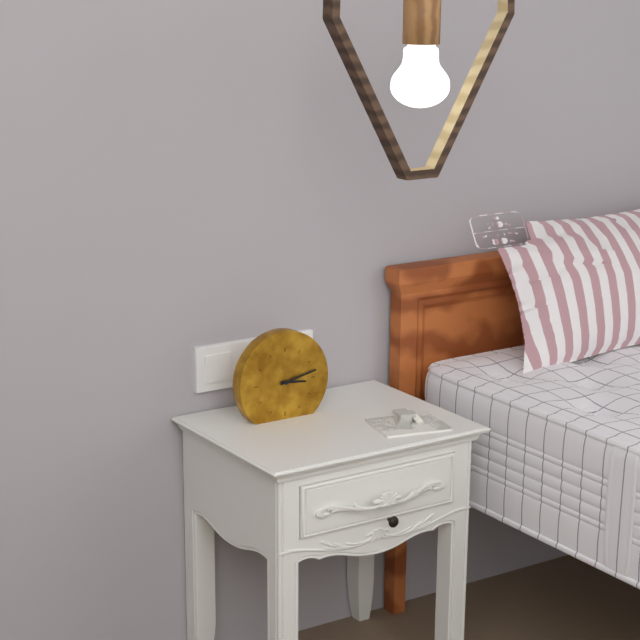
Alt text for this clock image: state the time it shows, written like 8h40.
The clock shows 3h13
